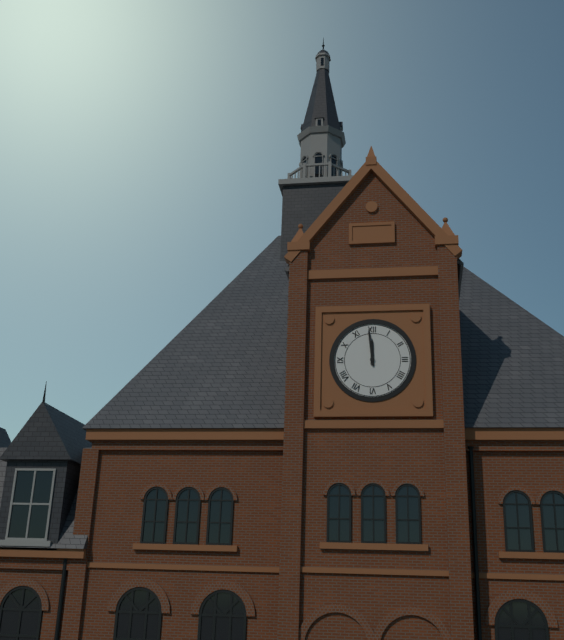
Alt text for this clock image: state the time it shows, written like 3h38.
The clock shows 11h59
